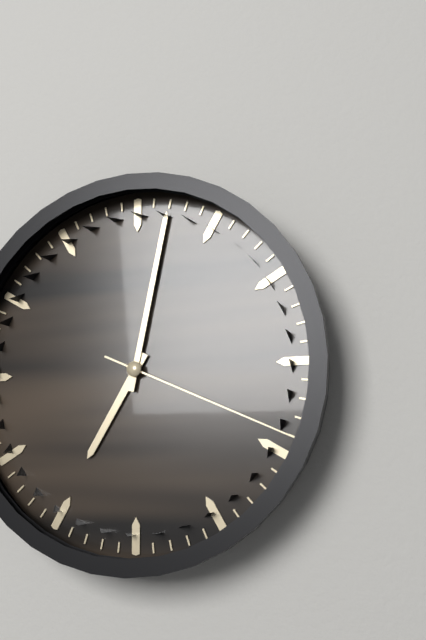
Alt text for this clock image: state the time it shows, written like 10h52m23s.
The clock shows 7h02m19s
